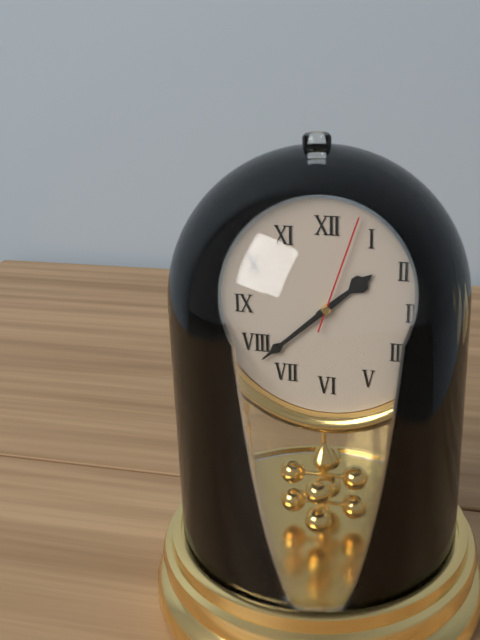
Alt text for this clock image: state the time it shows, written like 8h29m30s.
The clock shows 1h38m03s
